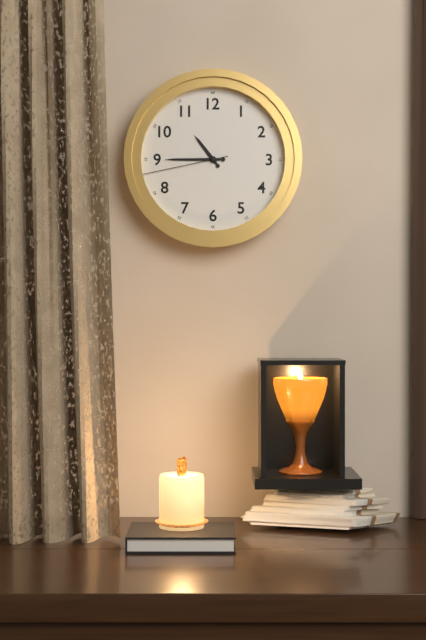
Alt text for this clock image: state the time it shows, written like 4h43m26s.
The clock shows 10h45m43s
